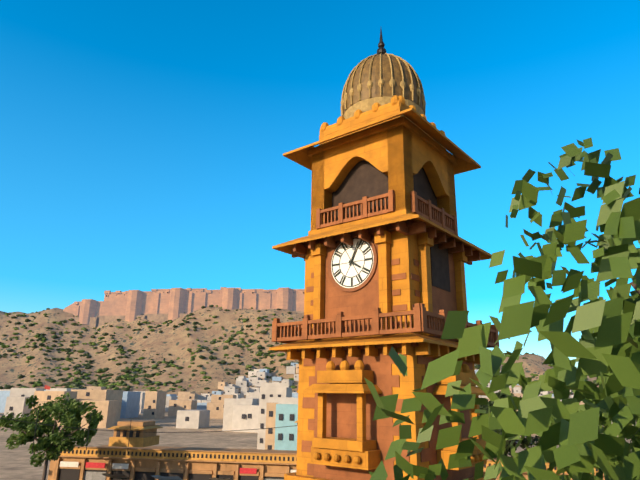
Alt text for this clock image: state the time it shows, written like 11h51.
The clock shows 4h04
